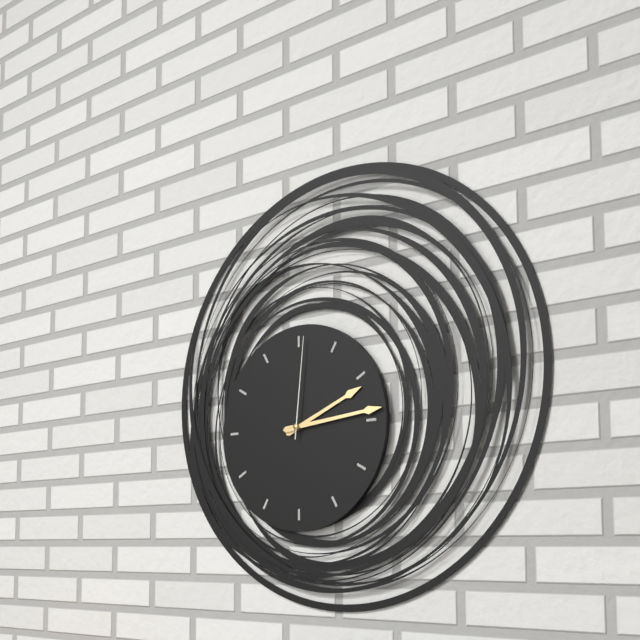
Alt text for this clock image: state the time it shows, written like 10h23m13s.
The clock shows 2h14m01s
